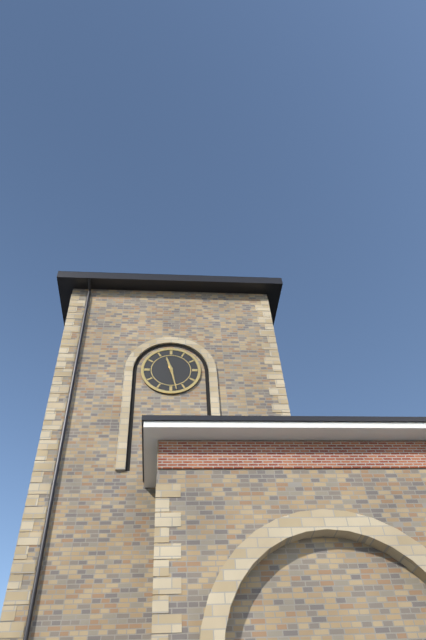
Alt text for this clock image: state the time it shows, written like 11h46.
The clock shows 11h28
